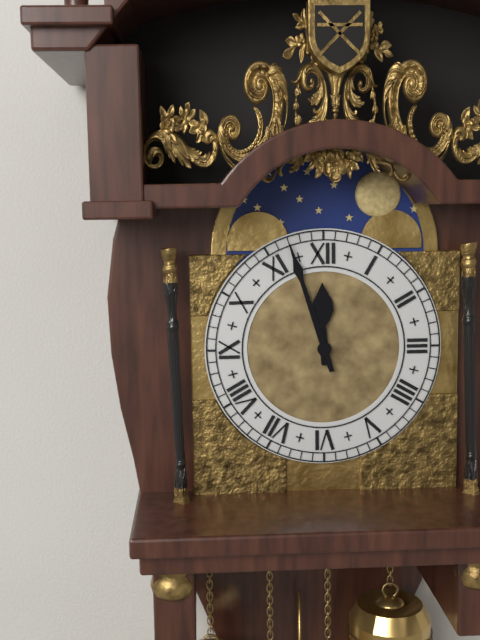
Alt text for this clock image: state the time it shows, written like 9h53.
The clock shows 11h57
